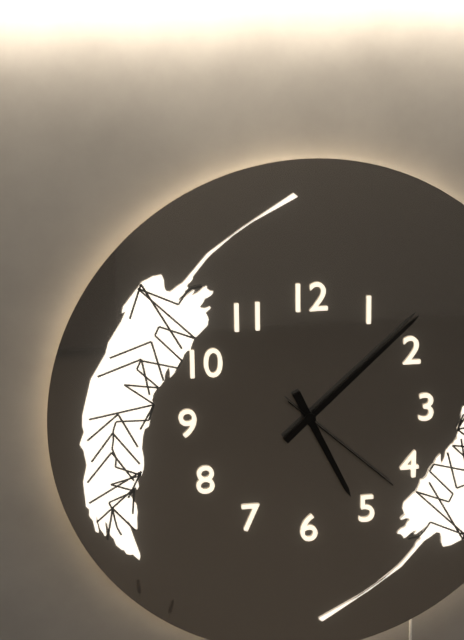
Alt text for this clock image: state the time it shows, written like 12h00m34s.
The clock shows 5h08m22s
